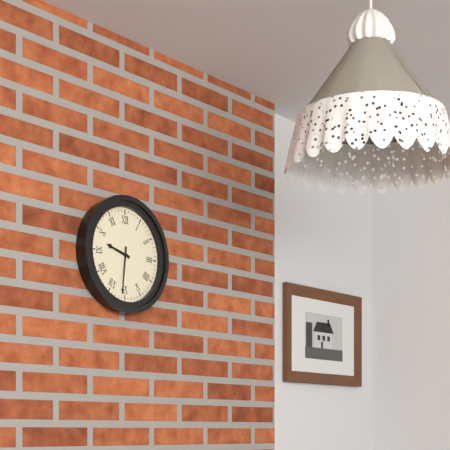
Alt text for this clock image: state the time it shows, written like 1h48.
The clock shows 9h31
